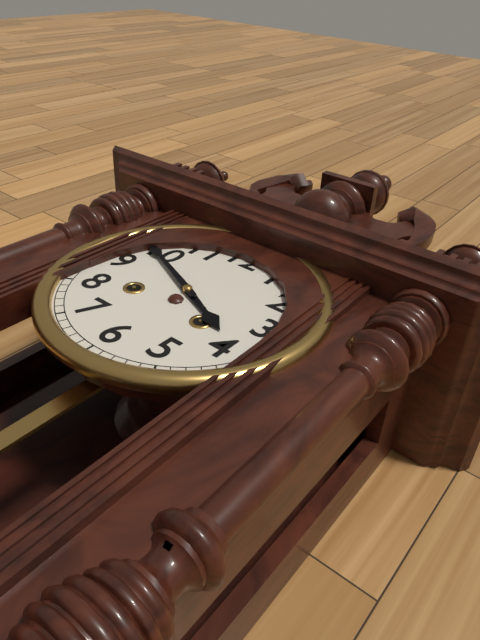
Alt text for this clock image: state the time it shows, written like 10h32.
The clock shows 3h49
